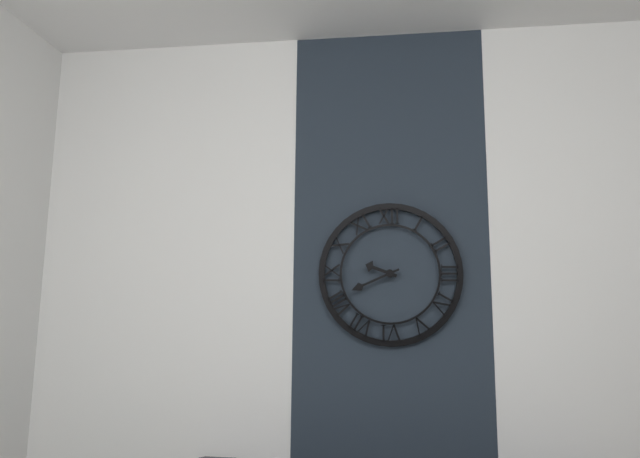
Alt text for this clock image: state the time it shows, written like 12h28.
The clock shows 9h41
